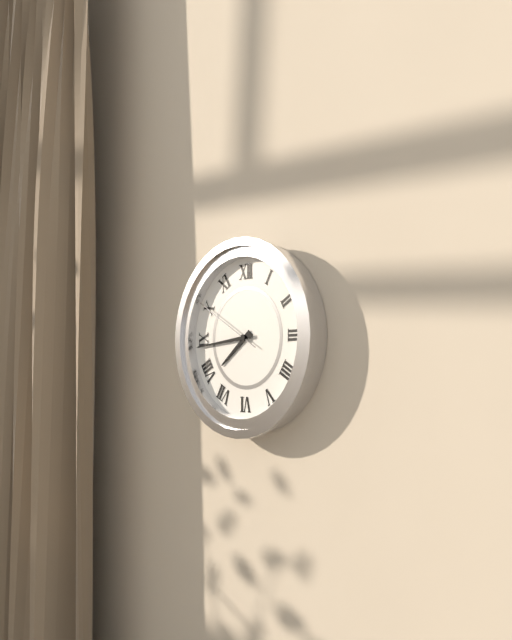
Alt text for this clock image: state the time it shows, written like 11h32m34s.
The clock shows 7h44m50s
